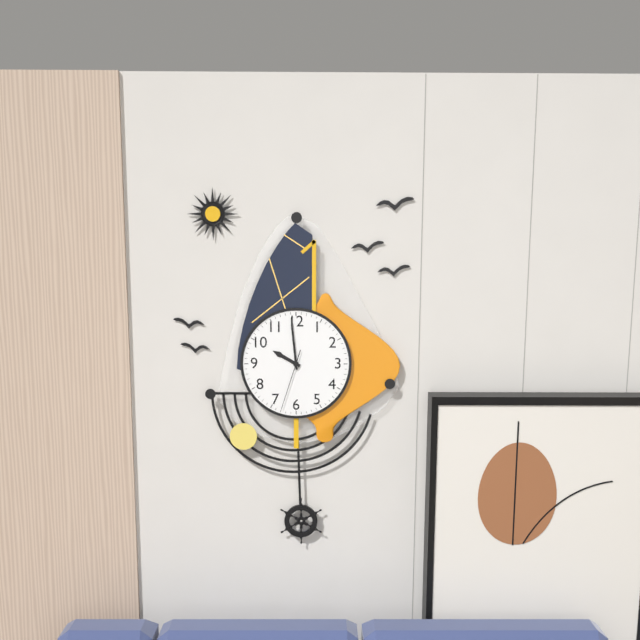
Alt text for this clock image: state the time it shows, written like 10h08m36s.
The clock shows 9h59m33s
